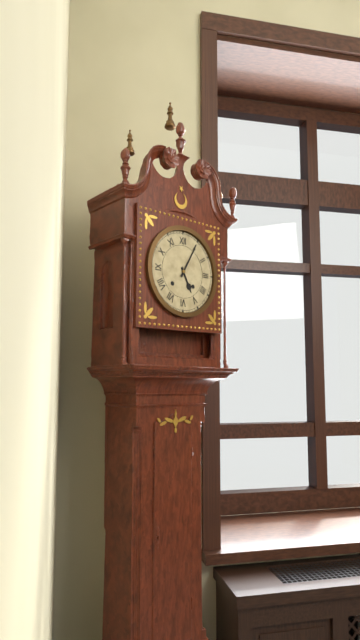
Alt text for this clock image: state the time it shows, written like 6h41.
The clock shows 5h05
